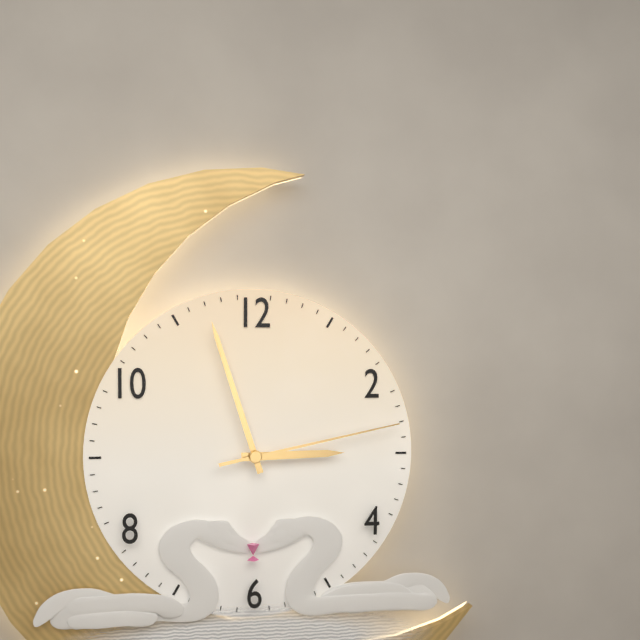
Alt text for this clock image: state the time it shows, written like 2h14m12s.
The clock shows 2h57m13s
